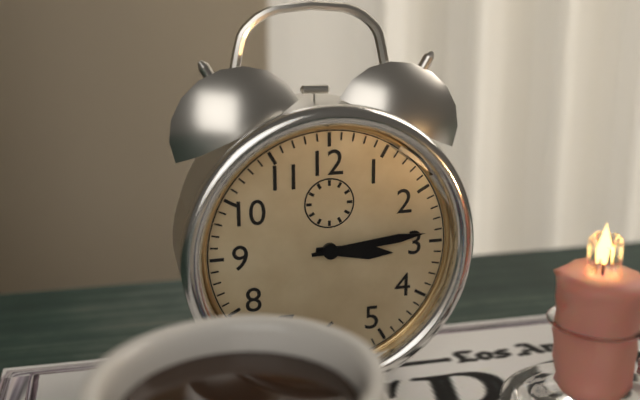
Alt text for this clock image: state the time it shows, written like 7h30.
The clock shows 3h14
